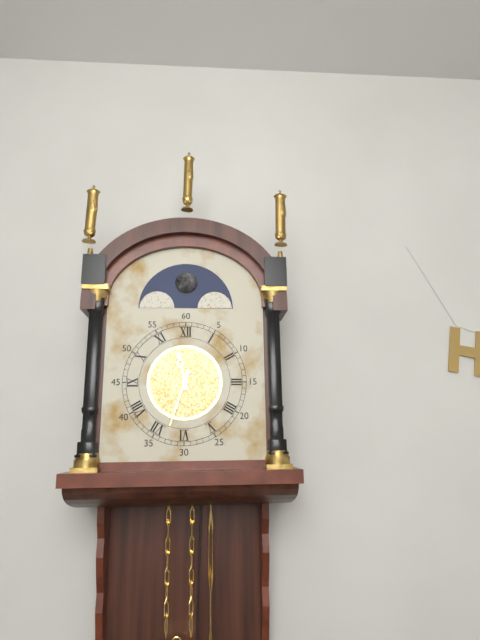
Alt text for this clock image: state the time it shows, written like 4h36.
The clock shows 11h33
